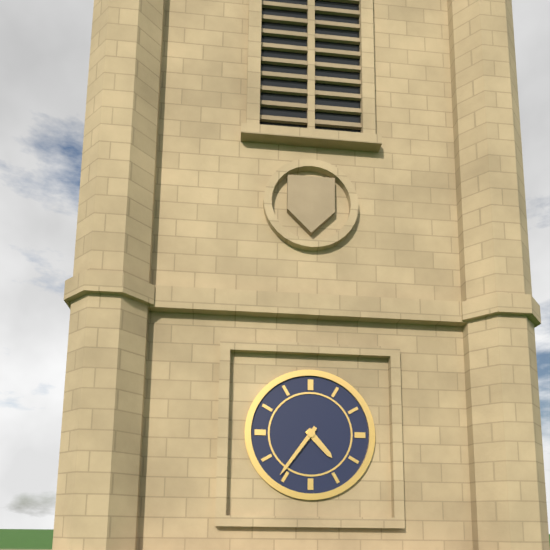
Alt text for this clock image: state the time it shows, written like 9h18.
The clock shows 4h36
